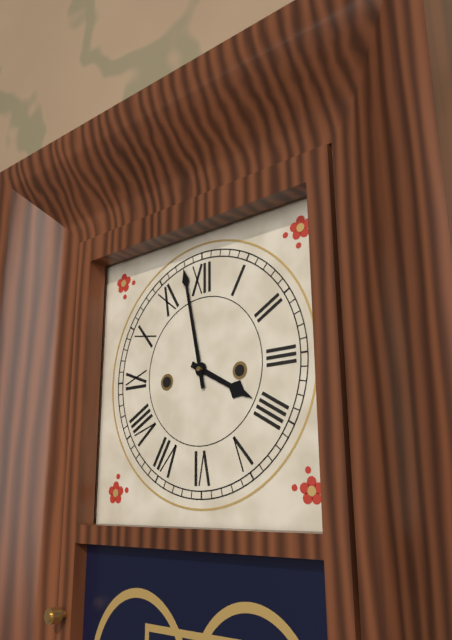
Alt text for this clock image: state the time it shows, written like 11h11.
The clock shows 3h58
